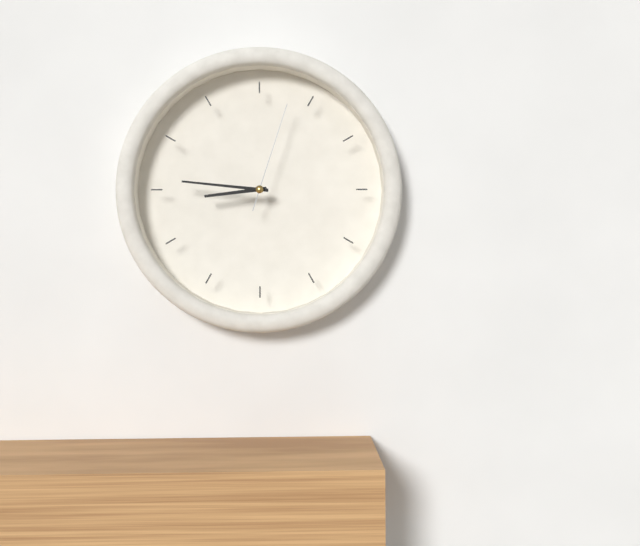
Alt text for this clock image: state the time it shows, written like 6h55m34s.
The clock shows 8h46m03s
